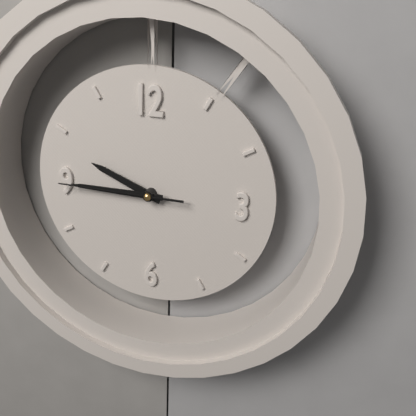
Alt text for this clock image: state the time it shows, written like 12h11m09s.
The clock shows 9h45m45s
